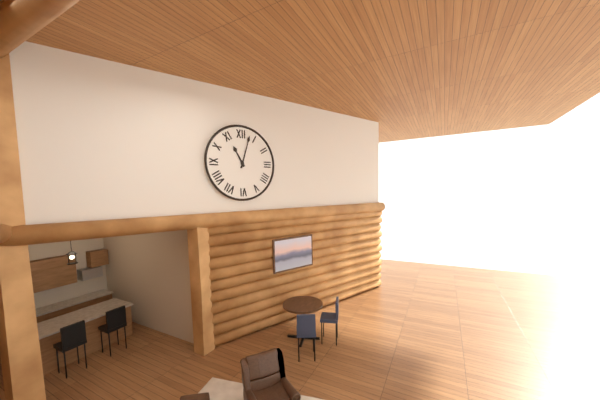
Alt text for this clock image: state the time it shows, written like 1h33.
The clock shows 11h03
